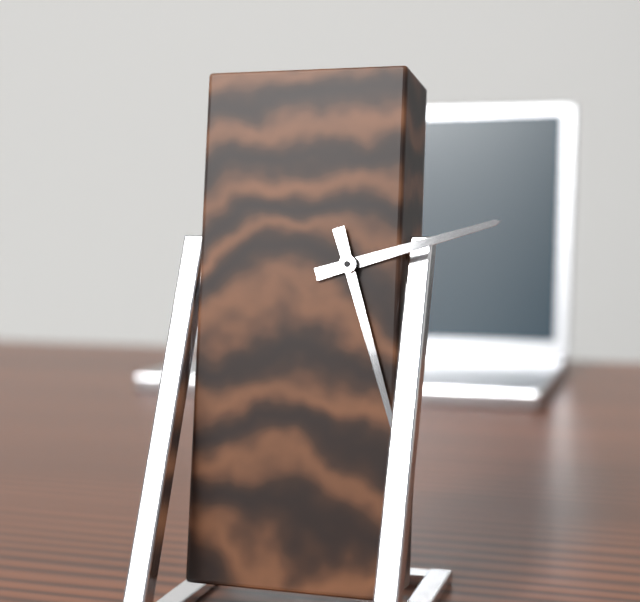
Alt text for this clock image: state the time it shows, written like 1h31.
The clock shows 2h27
